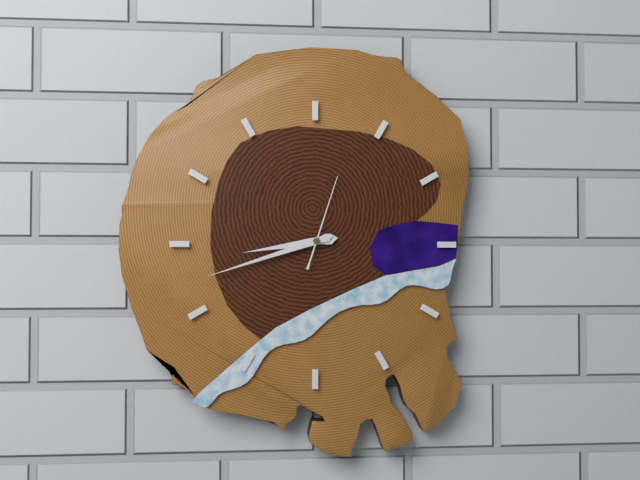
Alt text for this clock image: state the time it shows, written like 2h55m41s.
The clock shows 8h42m03s
